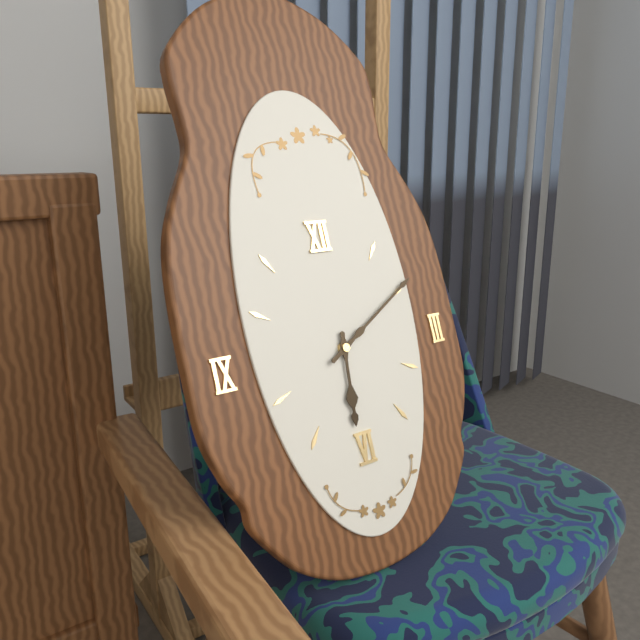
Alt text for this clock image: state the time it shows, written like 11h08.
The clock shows 6h10
